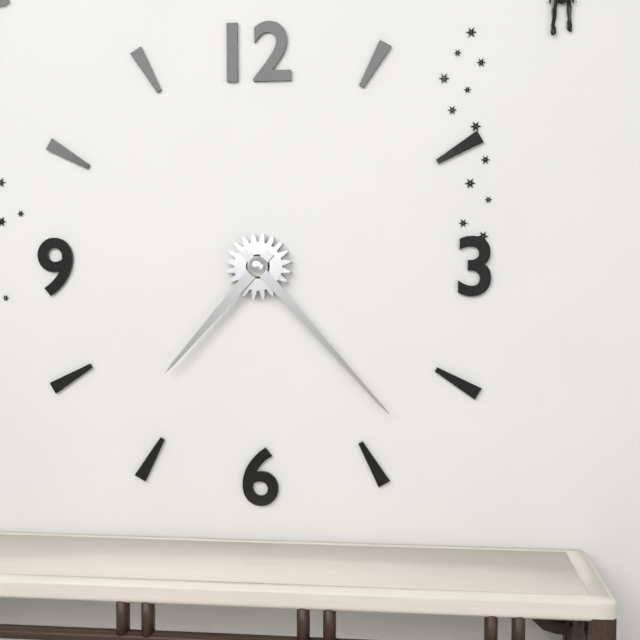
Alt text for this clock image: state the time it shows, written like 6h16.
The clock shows 7h23
